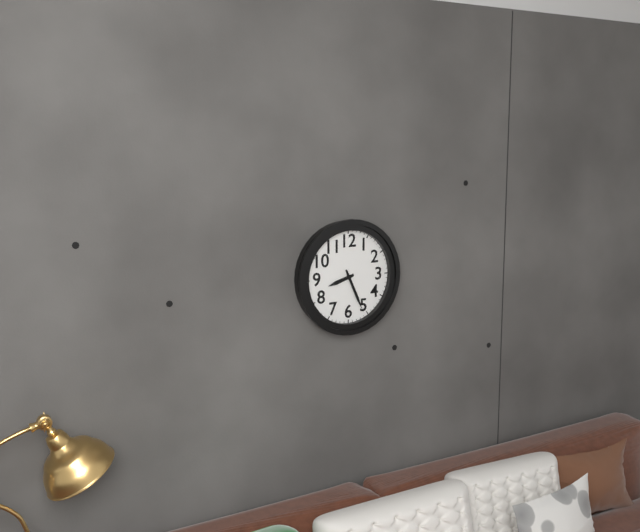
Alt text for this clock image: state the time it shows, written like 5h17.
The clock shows 8h26
